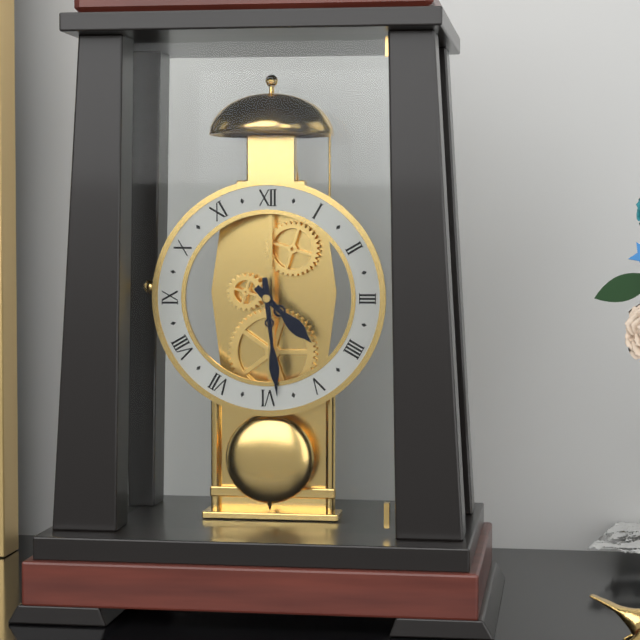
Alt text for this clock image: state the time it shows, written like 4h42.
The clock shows 4h29
